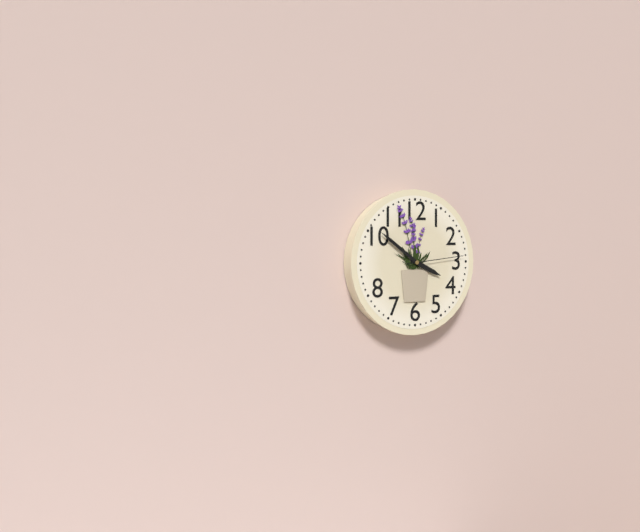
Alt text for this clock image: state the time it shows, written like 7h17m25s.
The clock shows 3h51m14s
